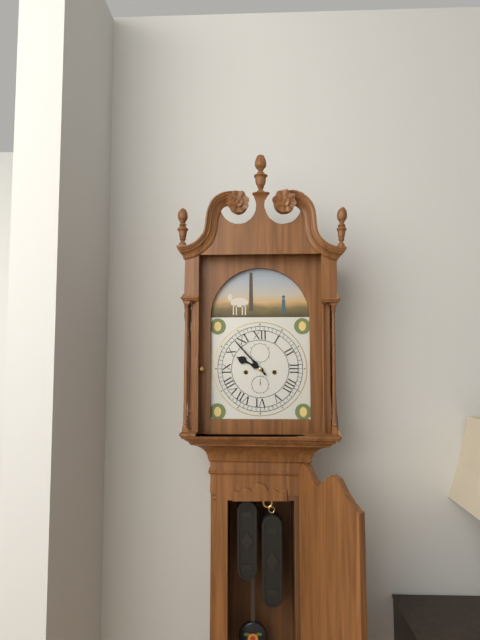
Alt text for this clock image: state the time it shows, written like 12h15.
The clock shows 9h53
